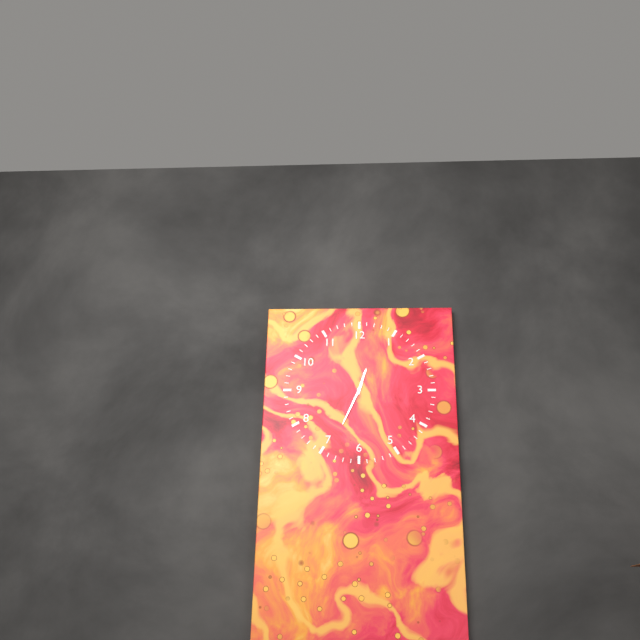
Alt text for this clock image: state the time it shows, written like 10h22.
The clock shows 12h34
